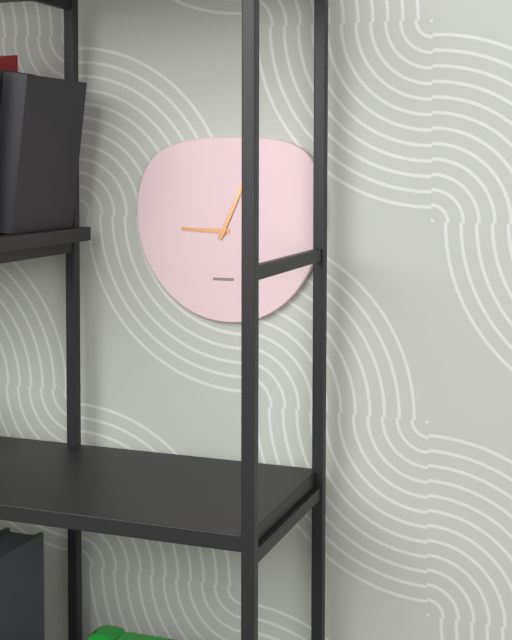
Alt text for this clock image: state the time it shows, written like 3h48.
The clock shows 9h04
